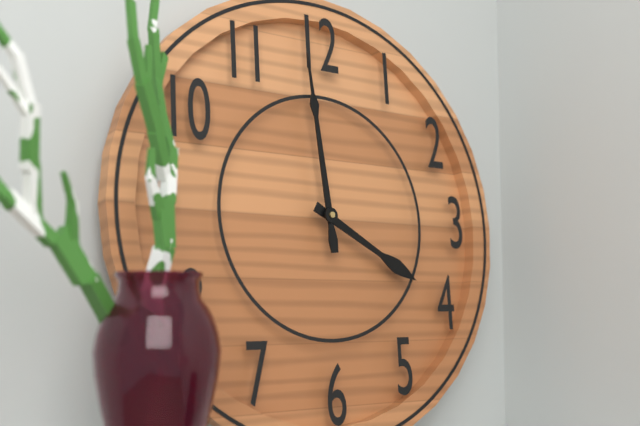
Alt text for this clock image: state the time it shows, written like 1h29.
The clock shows 3h59
